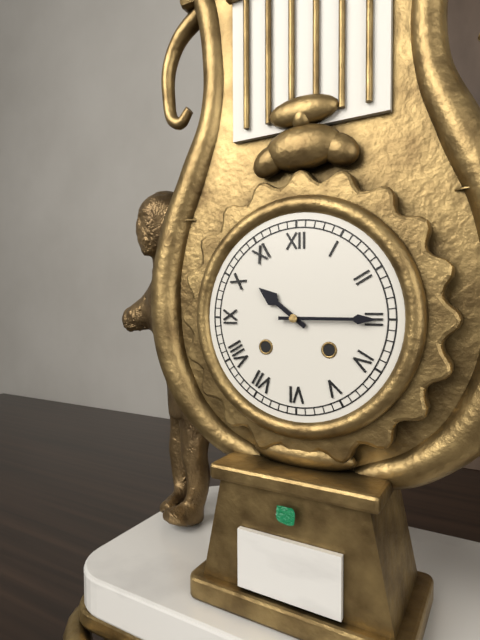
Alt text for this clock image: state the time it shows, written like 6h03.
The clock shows 10h15
